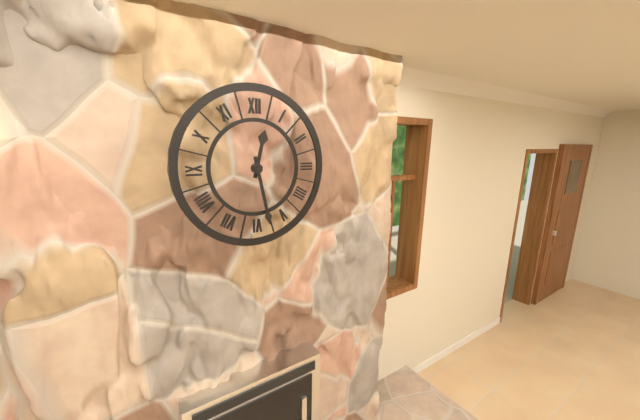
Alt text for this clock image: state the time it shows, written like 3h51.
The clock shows 12h28
